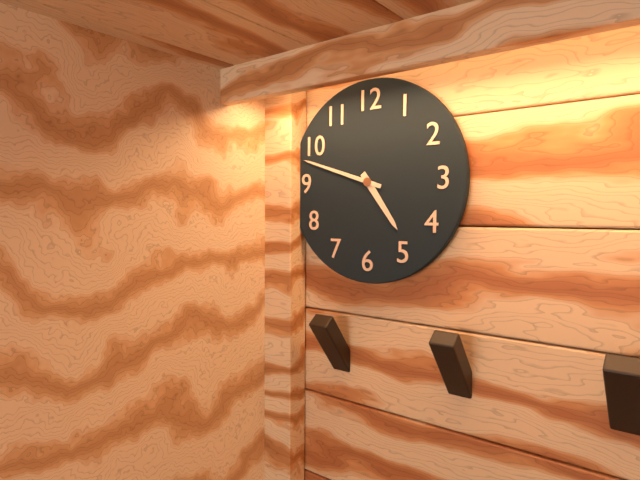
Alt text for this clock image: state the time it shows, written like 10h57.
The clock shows 4h48
